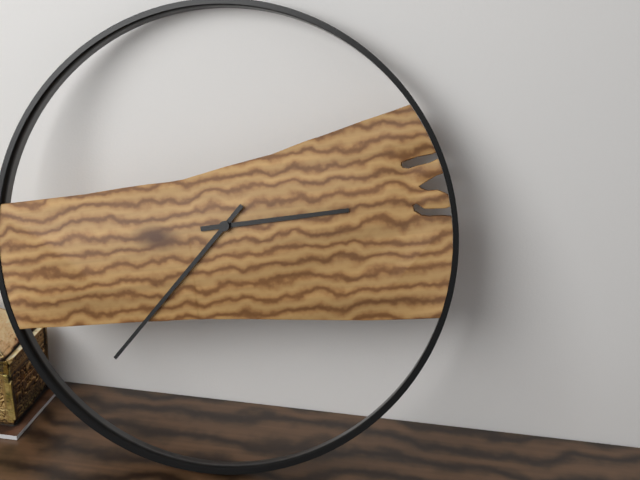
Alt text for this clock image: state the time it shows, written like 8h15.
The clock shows 2h36
